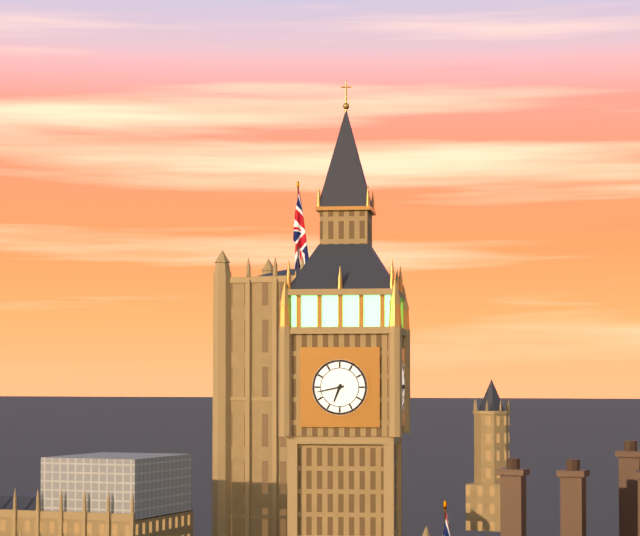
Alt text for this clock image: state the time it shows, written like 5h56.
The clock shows 6h43
